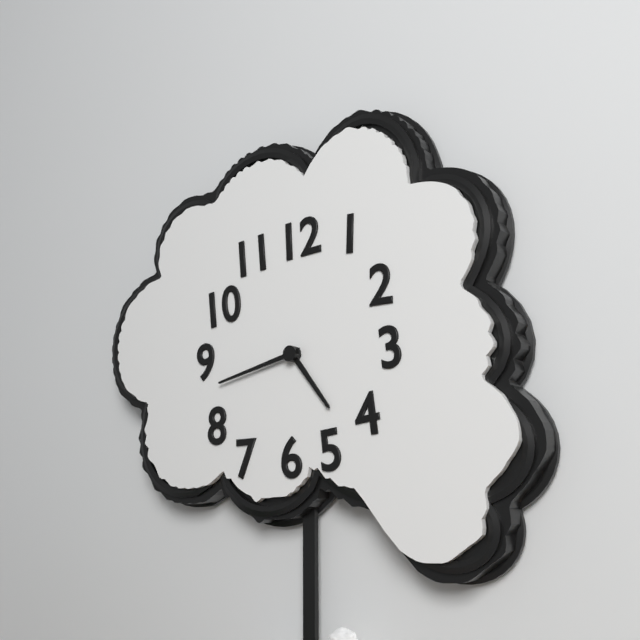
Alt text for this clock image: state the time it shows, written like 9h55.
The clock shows 4h43
